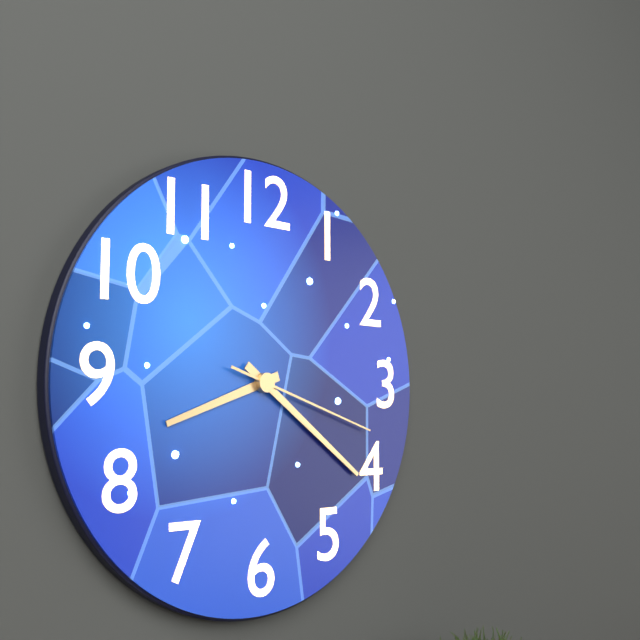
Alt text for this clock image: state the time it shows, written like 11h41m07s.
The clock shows 8h21m18s
